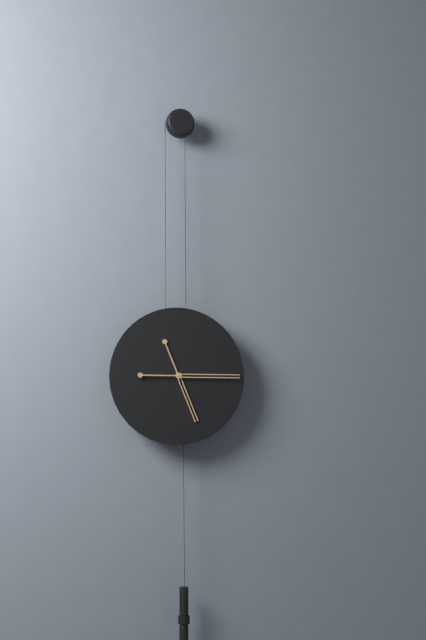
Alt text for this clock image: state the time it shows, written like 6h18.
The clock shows 5h15
